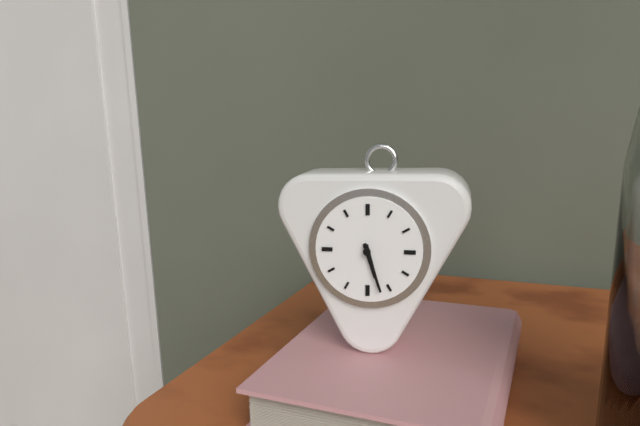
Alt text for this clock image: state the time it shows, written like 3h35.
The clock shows 5h27
